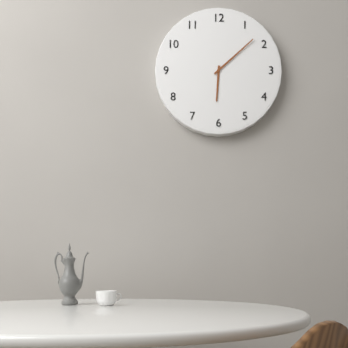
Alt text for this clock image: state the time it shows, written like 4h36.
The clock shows 6h08
